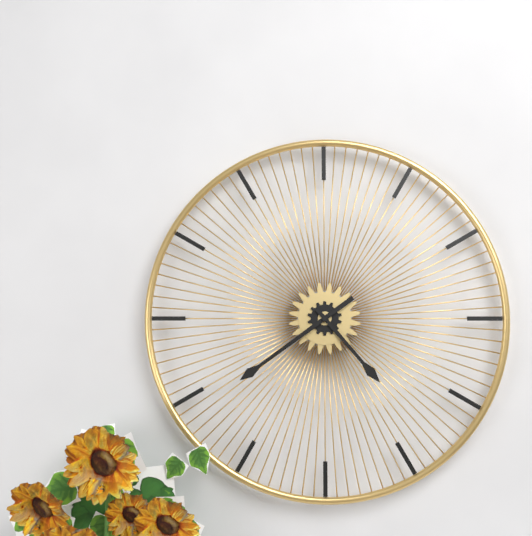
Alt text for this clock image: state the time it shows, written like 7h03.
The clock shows 4h39
